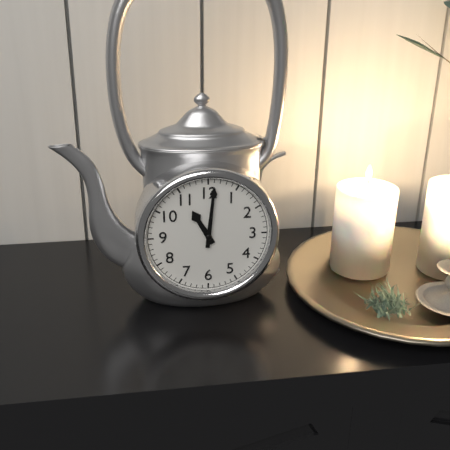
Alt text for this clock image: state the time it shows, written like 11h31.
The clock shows 11h01
